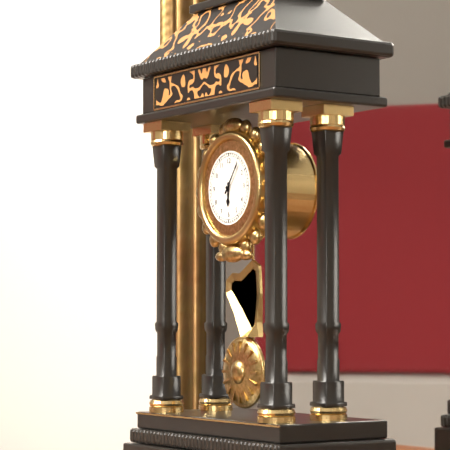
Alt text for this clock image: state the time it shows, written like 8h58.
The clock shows 6h06
